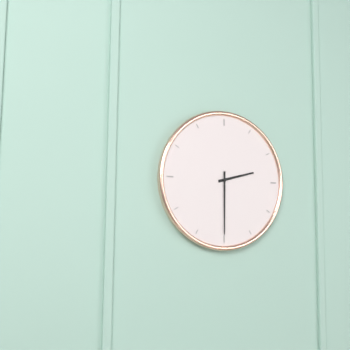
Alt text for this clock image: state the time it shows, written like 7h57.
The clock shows 2h30
